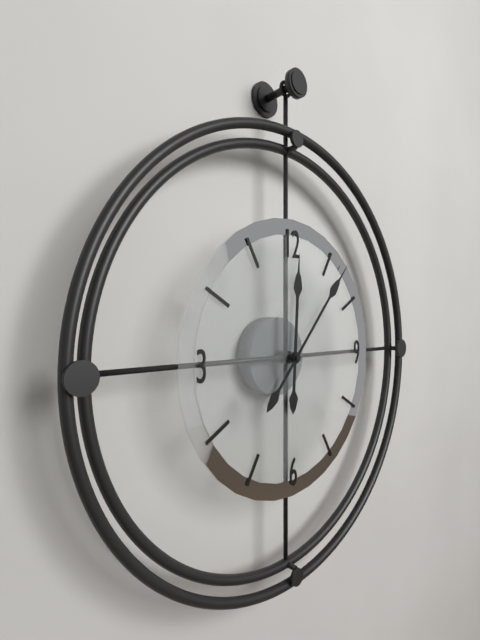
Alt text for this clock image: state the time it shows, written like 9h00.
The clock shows 12h07
